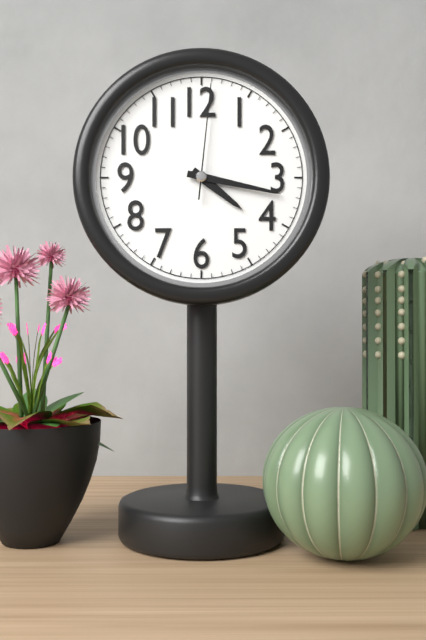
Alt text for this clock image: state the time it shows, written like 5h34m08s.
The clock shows 4h17m01s
